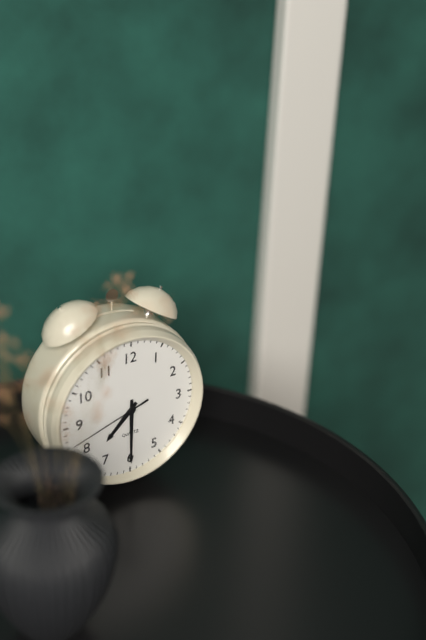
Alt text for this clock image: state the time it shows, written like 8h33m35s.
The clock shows 7h30m42s
